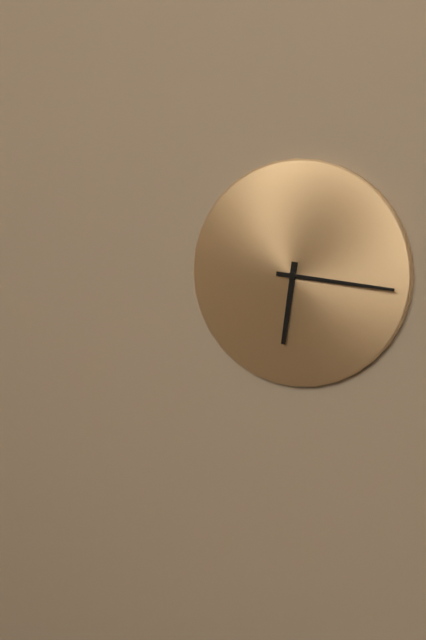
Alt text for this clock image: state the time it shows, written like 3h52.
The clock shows 6h16
